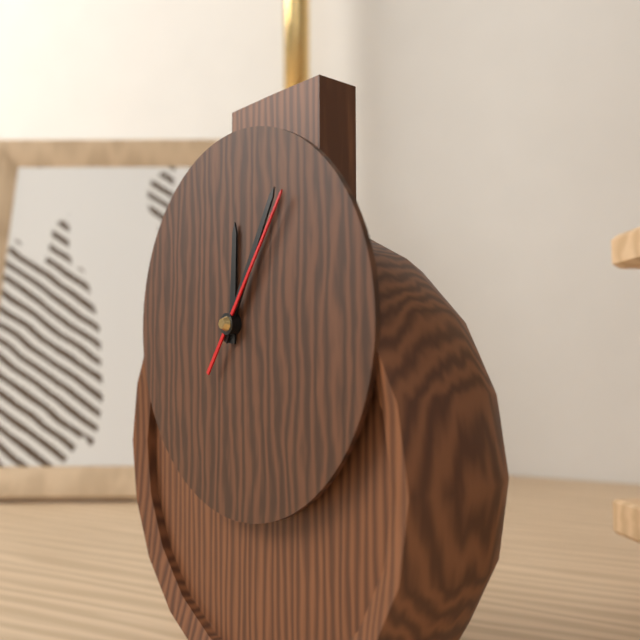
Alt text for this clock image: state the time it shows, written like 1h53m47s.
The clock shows 12h05m06s
